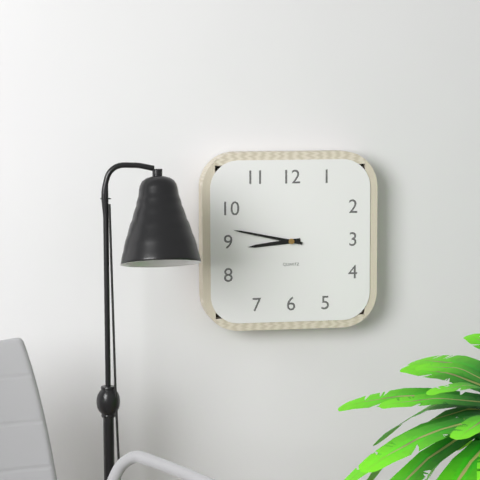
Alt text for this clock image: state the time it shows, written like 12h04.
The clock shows 8h47
